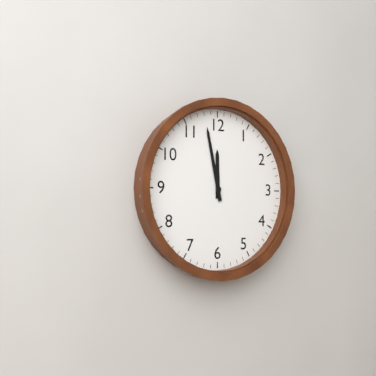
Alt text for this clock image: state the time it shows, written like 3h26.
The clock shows 11h58
